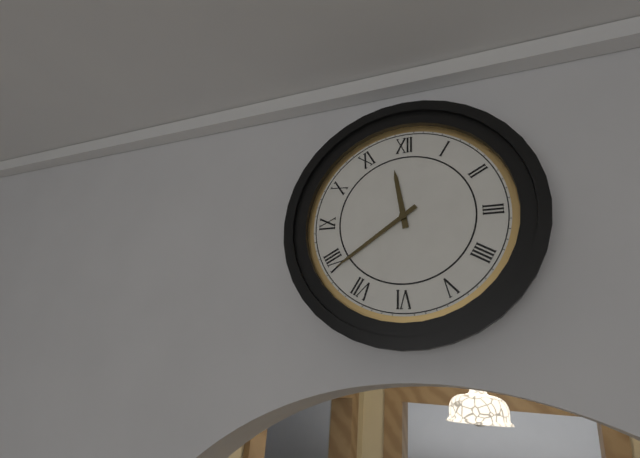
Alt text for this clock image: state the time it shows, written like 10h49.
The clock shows 11h39
